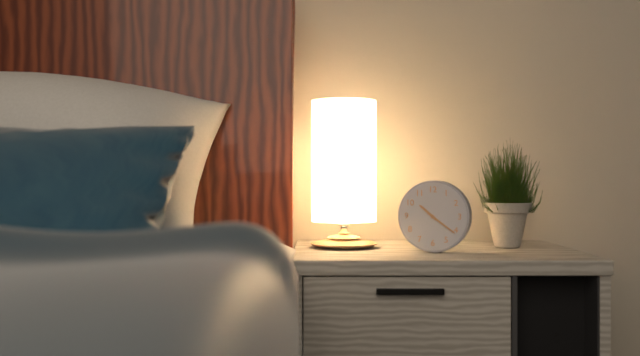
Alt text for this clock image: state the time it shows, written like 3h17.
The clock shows 10h21
